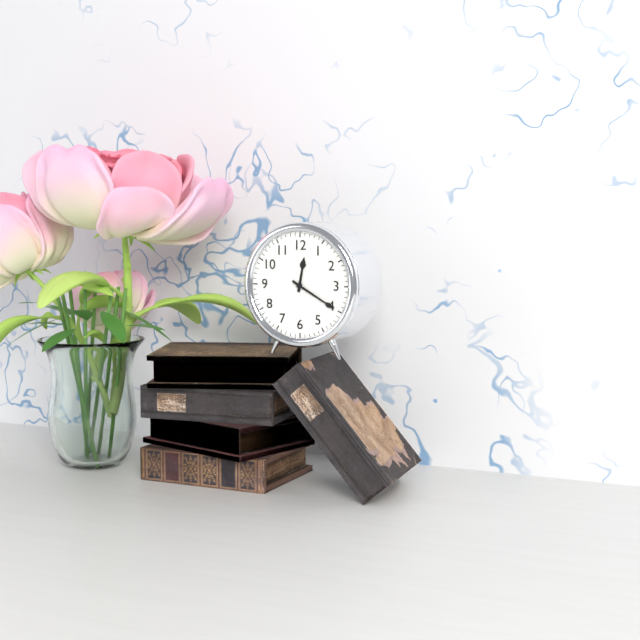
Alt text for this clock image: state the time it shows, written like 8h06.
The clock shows 12h20
